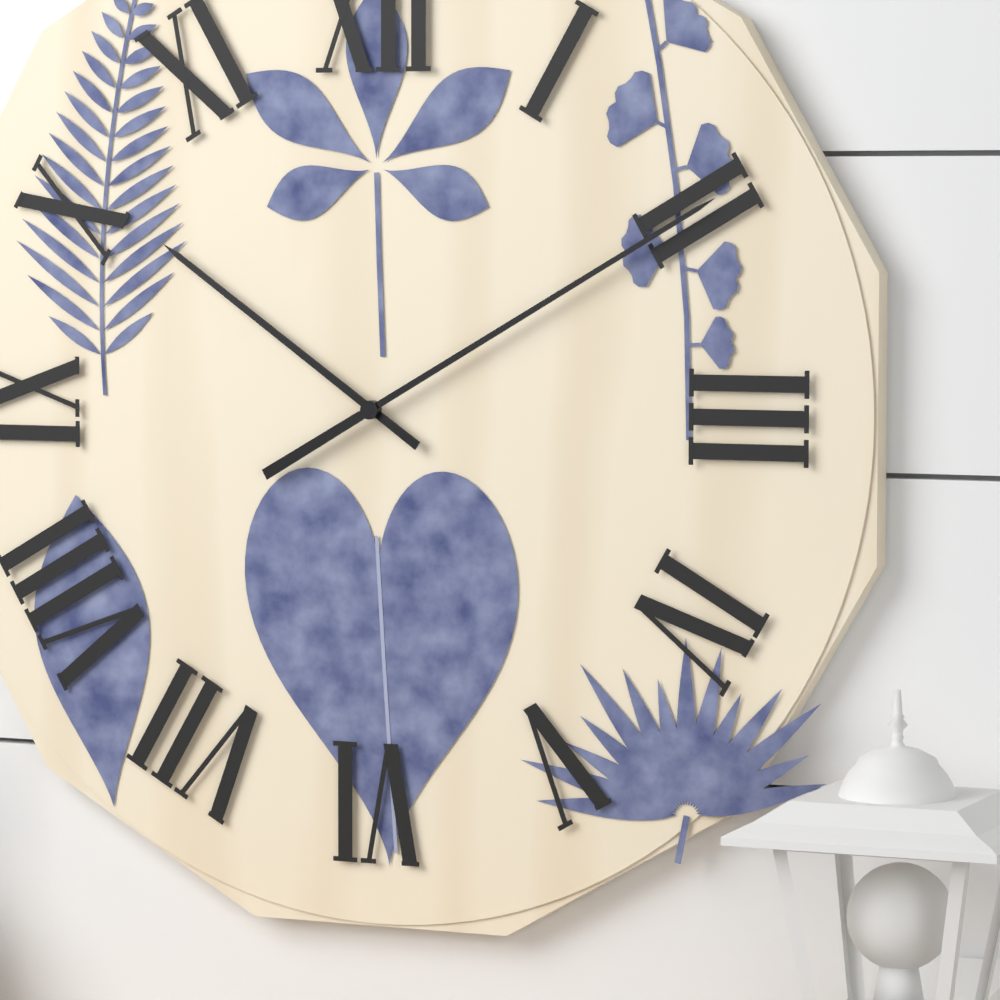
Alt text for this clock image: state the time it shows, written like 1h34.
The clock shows 10h10
